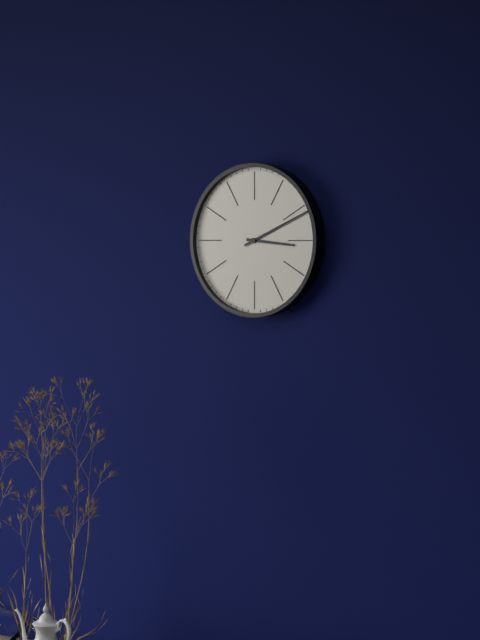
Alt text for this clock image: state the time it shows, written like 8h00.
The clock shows 3h11
